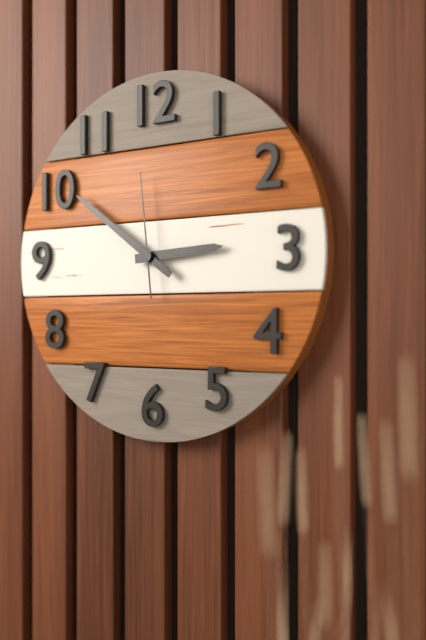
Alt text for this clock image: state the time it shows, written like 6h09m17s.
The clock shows 2h51m59s
